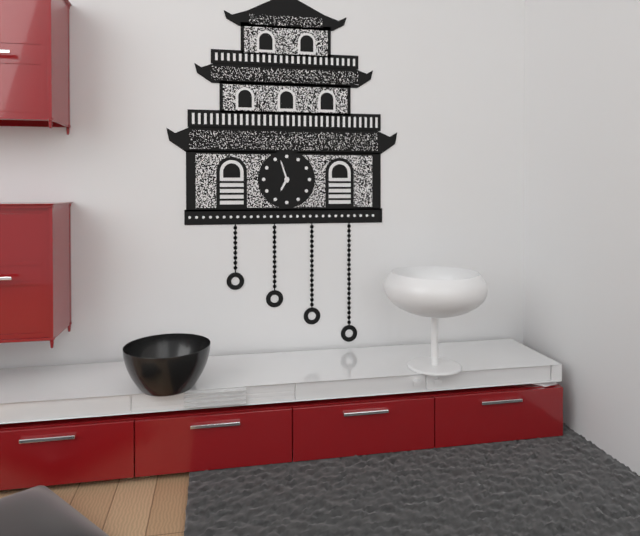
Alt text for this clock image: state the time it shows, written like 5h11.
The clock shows 6h57
